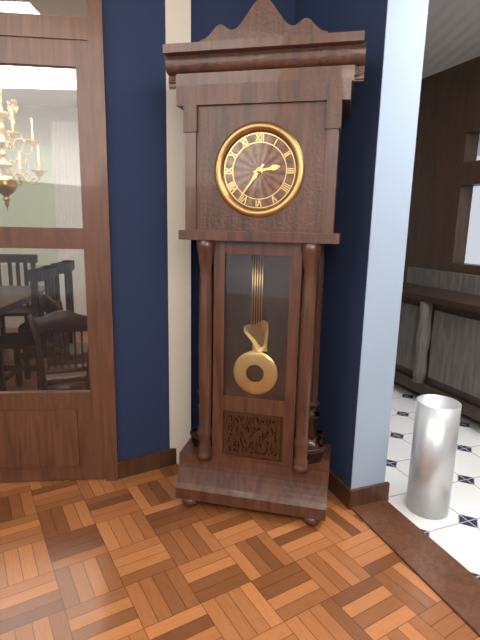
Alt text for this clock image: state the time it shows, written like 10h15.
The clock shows 2h36
